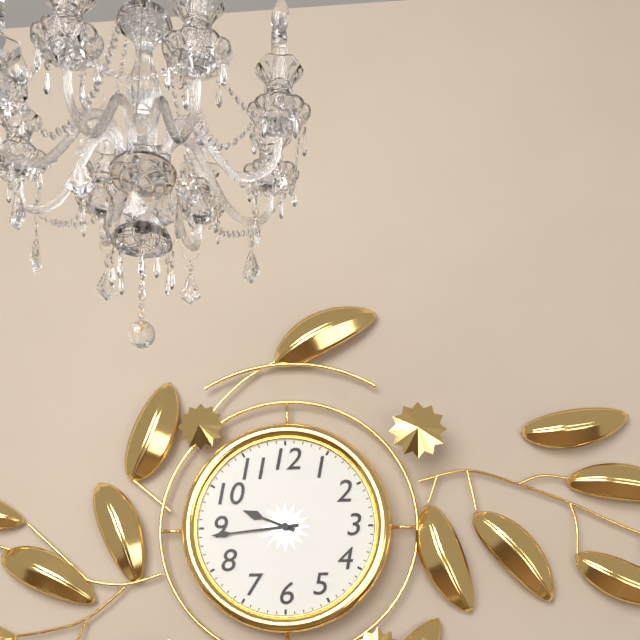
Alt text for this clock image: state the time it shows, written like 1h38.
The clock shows 9h44
